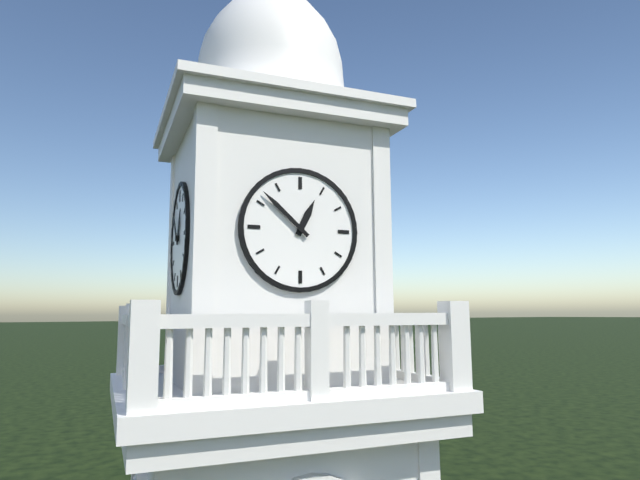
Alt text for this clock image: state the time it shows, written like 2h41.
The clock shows 12h52
